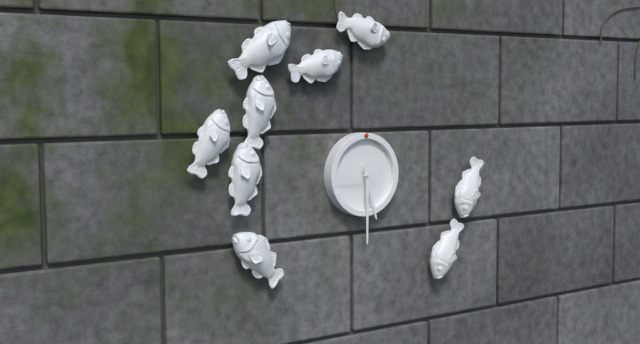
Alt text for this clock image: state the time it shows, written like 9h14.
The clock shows 5h30
